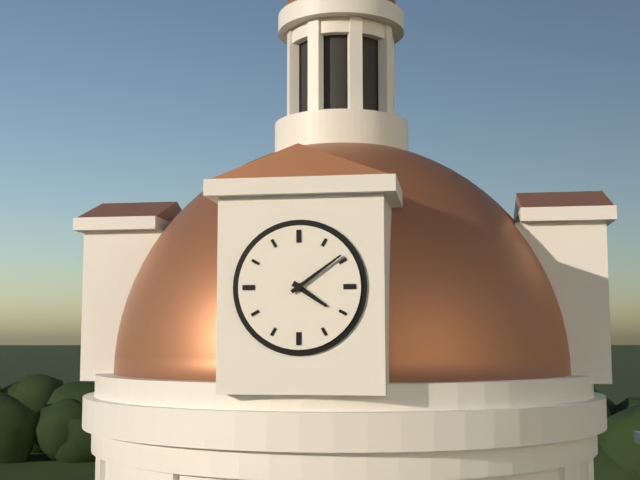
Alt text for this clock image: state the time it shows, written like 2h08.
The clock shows 4h09
